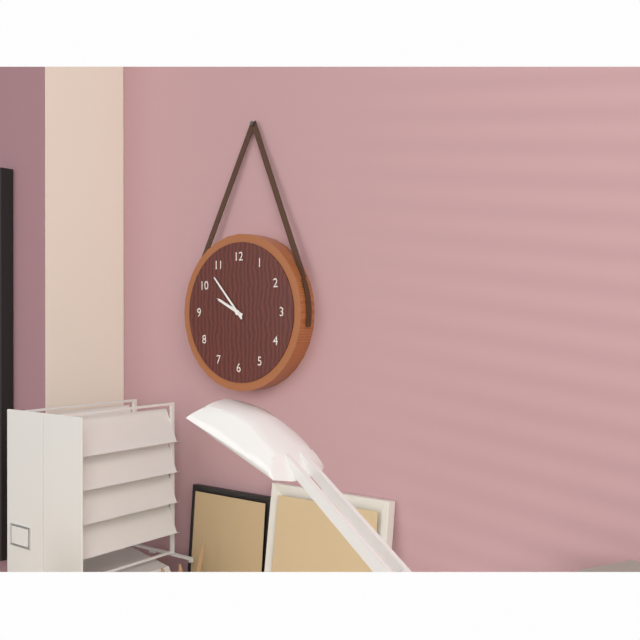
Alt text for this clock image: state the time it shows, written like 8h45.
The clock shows 9h53
